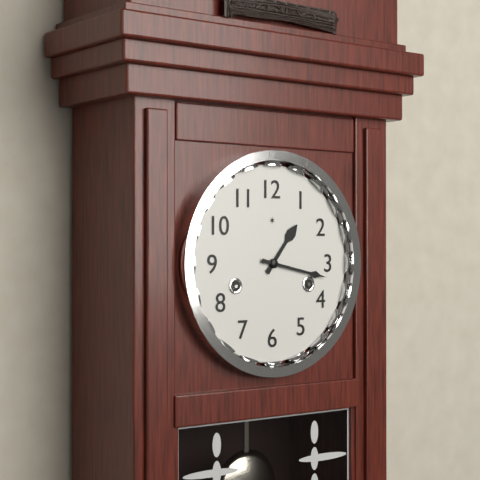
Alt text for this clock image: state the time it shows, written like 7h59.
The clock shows 1h17
